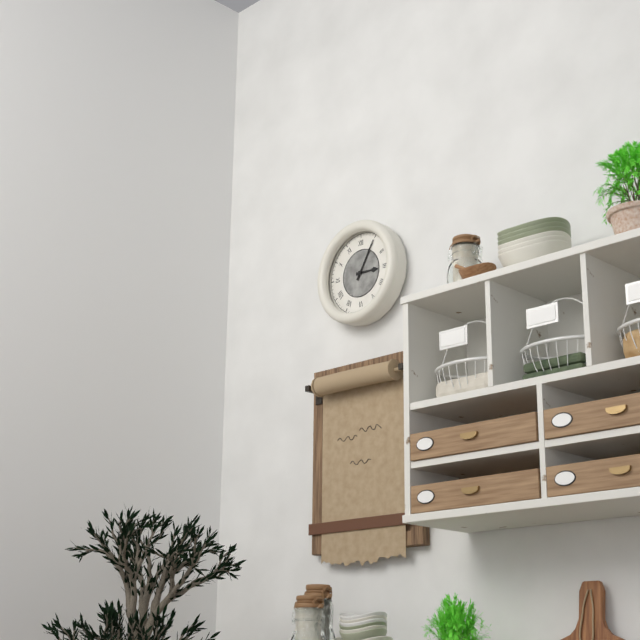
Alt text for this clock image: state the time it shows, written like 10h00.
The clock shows 3h05
